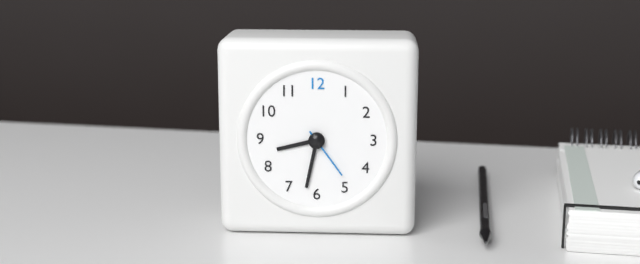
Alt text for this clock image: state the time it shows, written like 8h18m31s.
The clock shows 8h32m24s
